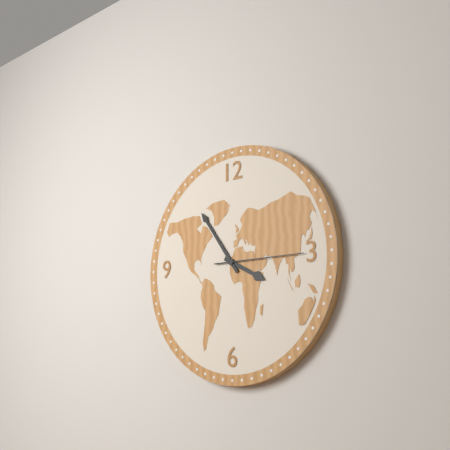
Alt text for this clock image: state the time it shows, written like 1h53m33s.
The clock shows 3h54m15s
